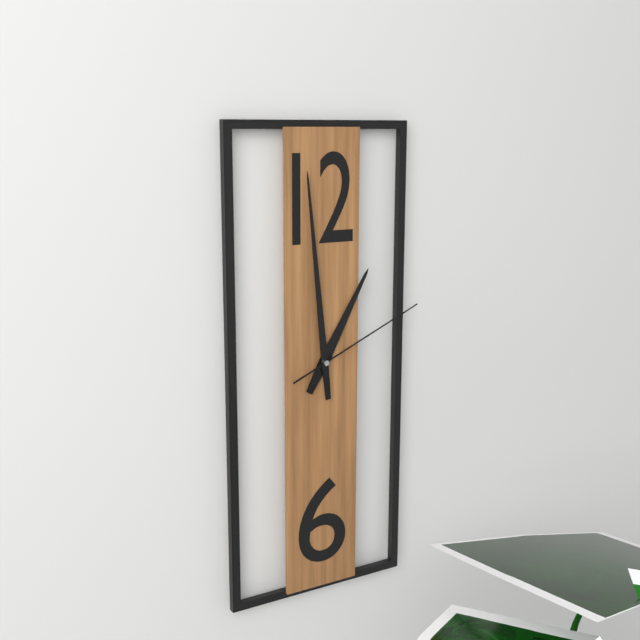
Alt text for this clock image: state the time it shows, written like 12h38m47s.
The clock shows 12h59m11s
